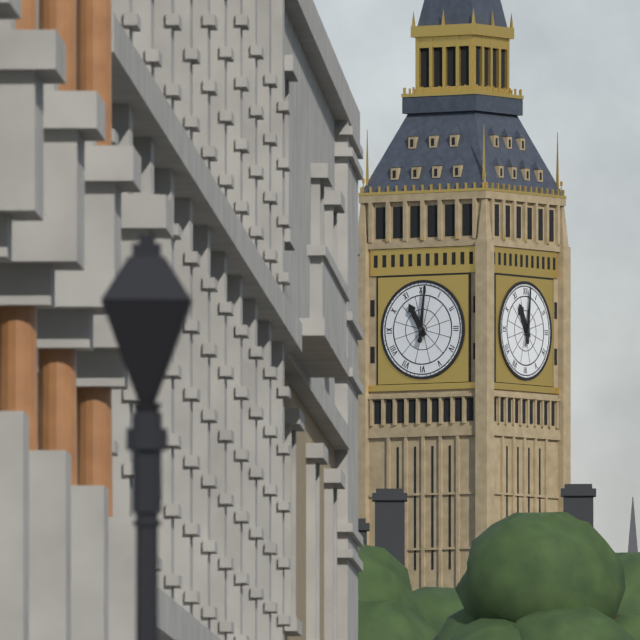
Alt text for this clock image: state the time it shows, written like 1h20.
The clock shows 11h01
